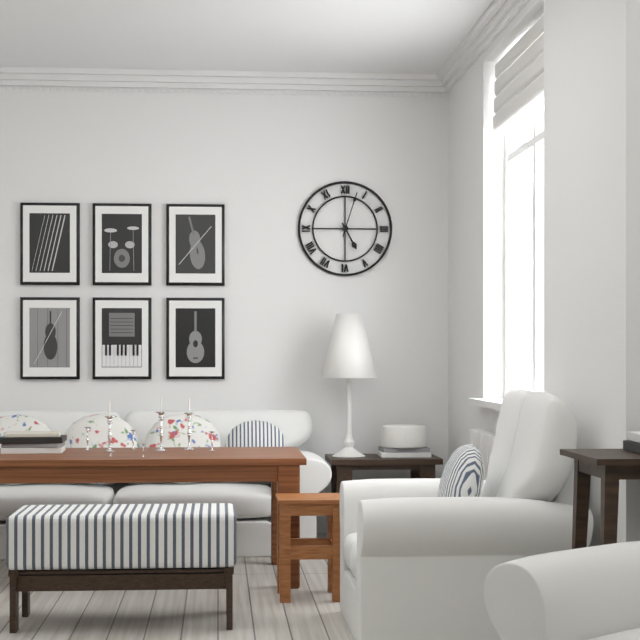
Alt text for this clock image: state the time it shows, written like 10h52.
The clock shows 5h03
